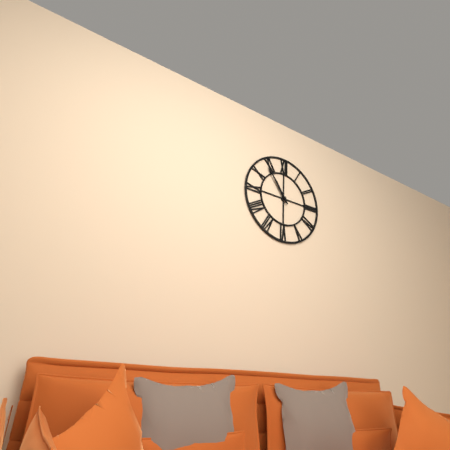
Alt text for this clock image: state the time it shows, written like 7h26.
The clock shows 10h54
